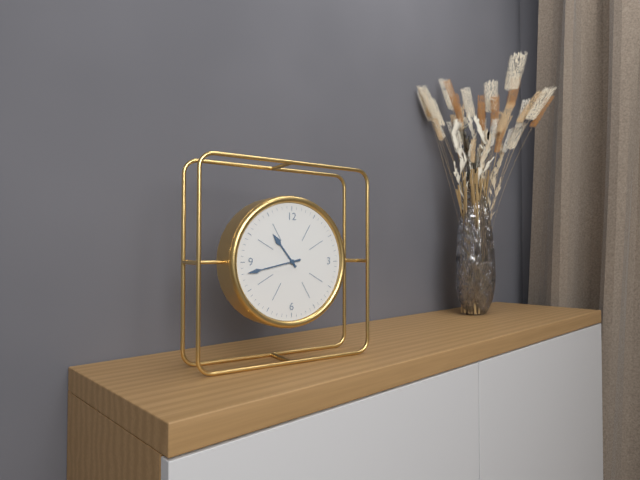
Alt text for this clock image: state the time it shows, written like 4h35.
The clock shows 10h43
